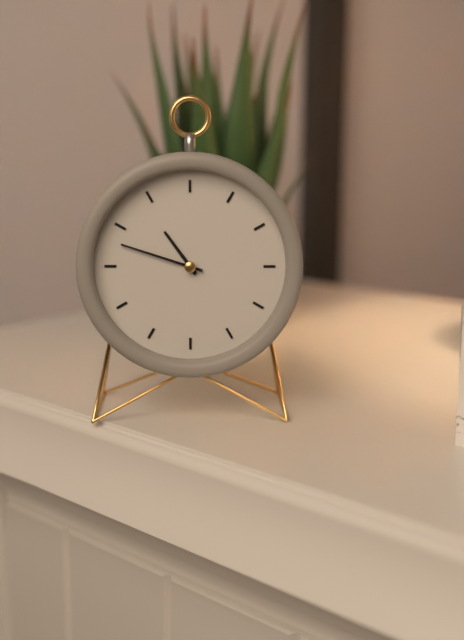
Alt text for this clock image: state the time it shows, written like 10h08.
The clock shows 10h48
